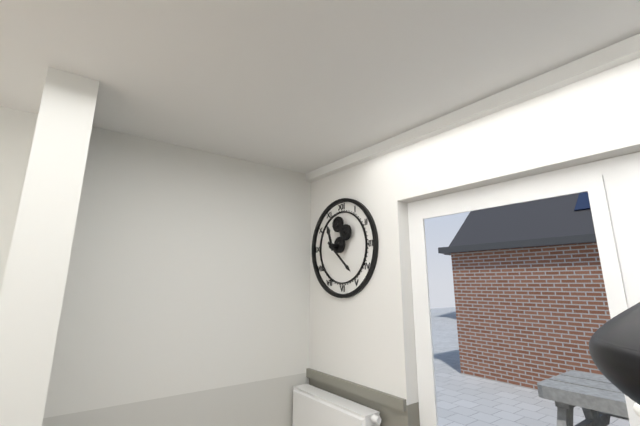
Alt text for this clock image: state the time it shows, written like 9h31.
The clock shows 11h22
